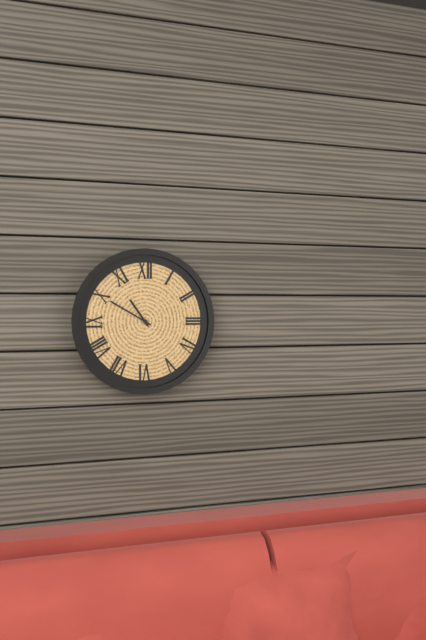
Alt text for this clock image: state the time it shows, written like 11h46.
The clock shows 10h50
